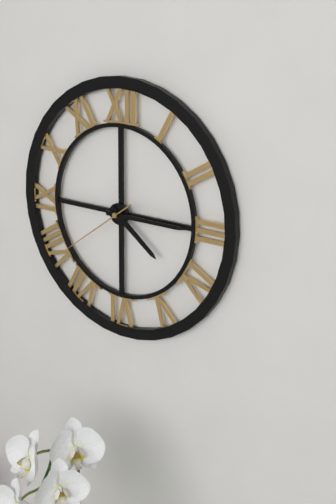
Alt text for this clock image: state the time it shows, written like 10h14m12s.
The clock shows 4h15m39s
